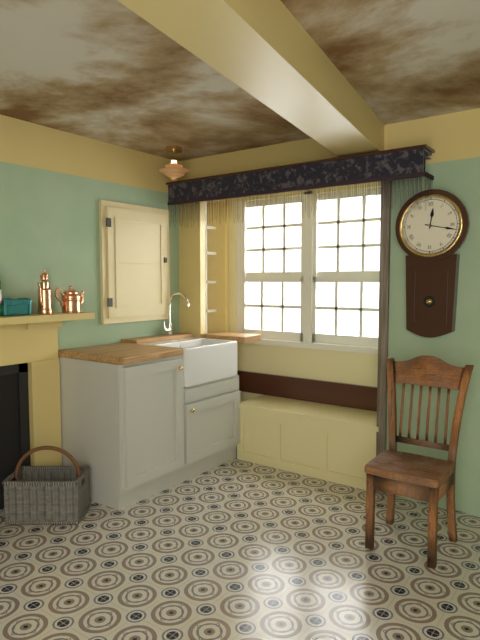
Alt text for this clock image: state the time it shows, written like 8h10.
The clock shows 12h17
